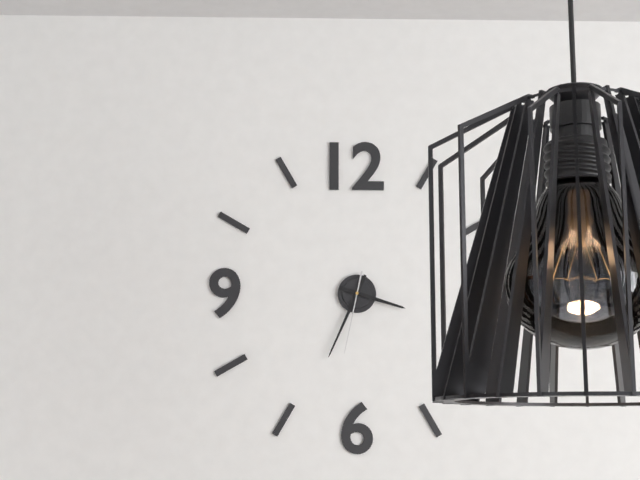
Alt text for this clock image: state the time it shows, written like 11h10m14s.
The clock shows 3h34m32s
